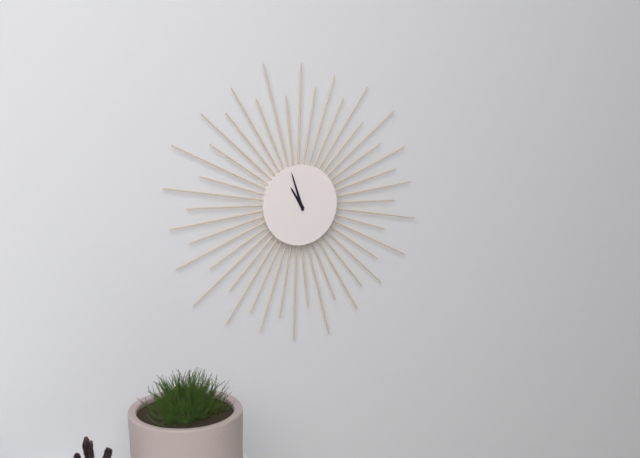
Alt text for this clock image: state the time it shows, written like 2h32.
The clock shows 10h57
